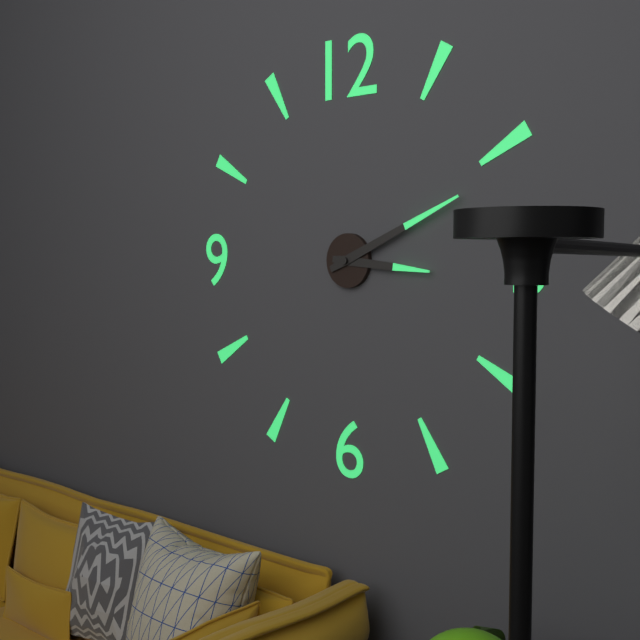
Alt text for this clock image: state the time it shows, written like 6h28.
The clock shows 3h11
